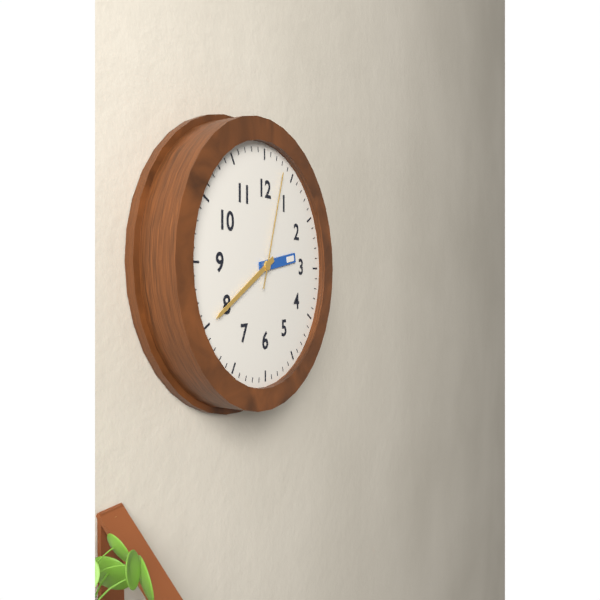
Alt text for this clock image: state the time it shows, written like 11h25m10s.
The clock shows 2h40m03s
